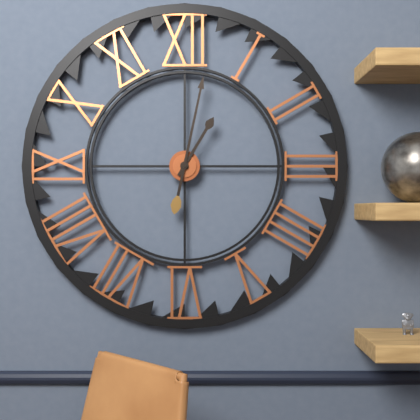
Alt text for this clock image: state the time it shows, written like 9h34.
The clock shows 1h02
